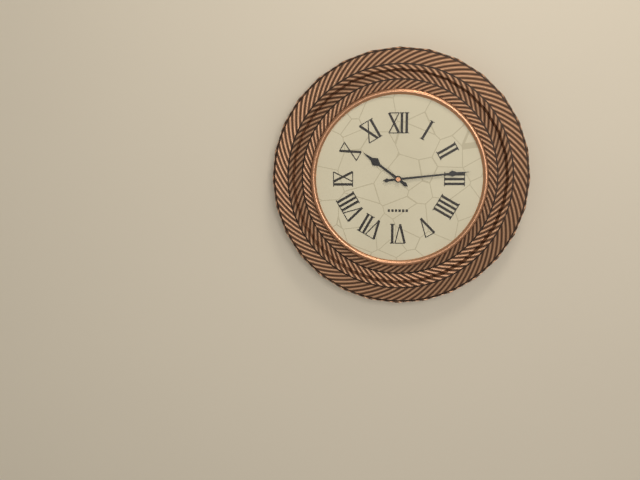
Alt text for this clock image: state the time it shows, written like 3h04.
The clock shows 10h14
